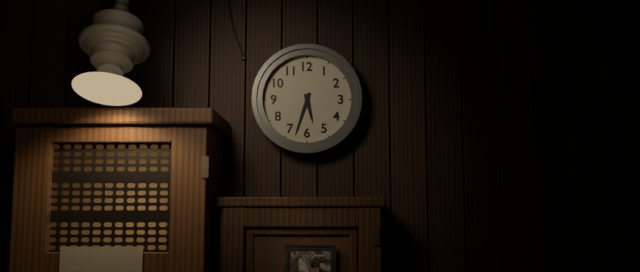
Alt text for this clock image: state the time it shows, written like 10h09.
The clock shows 5h33
